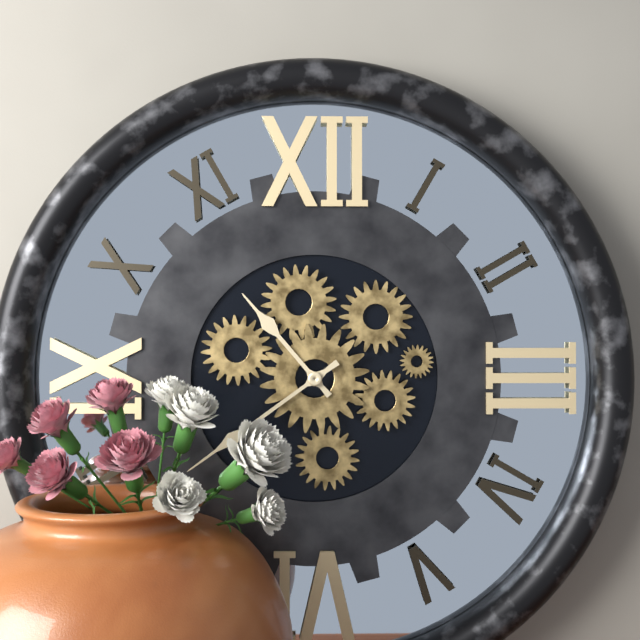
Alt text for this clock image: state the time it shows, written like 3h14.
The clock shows 10h39
